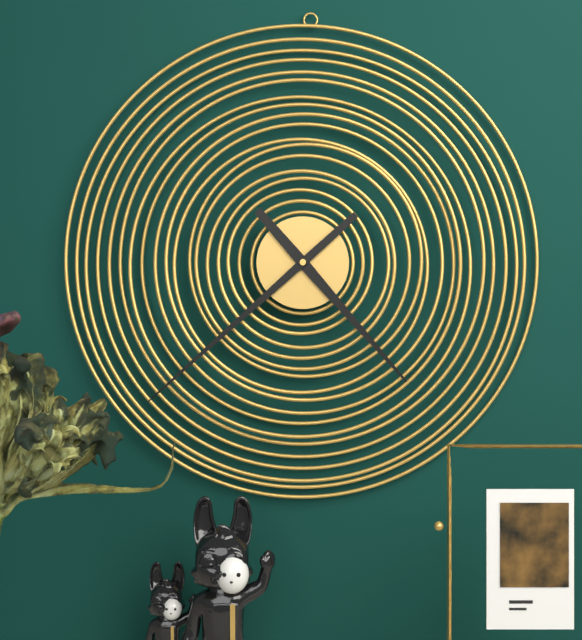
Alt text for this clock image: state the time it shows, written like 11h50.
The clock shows 4h38
